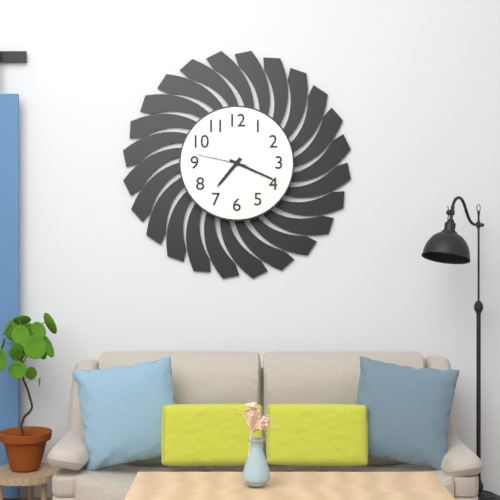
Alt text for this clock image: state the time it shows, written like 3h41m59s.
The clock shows 7h19m47s
